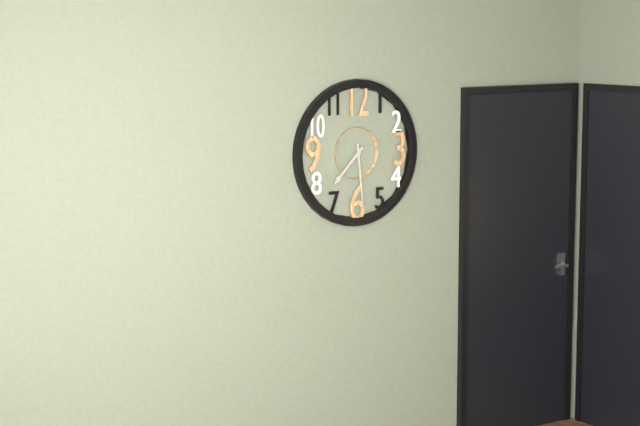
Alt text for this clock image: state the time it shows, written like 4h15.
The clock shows 7h29
